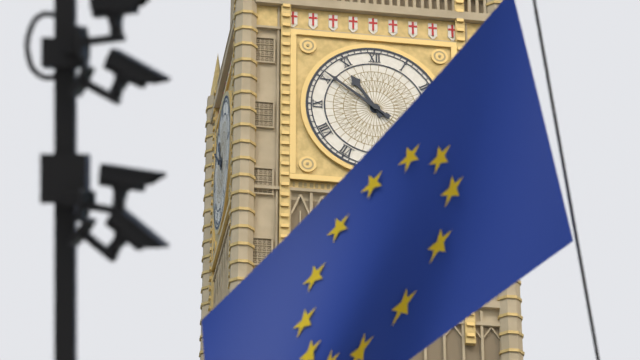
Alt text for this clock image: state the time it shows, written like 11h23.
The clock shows 10h51
